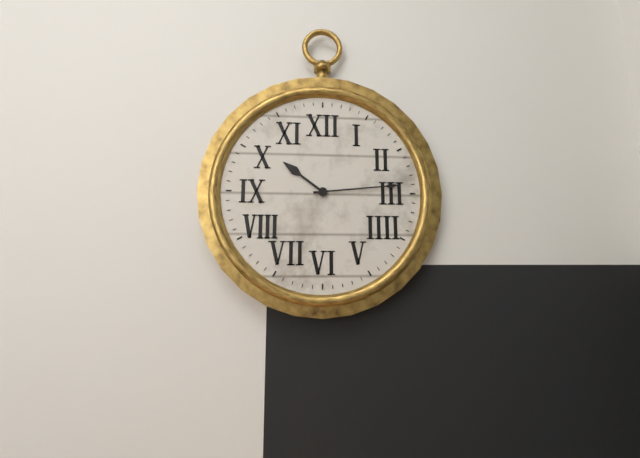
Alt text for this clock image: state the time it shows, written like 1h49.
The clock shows 10h14
